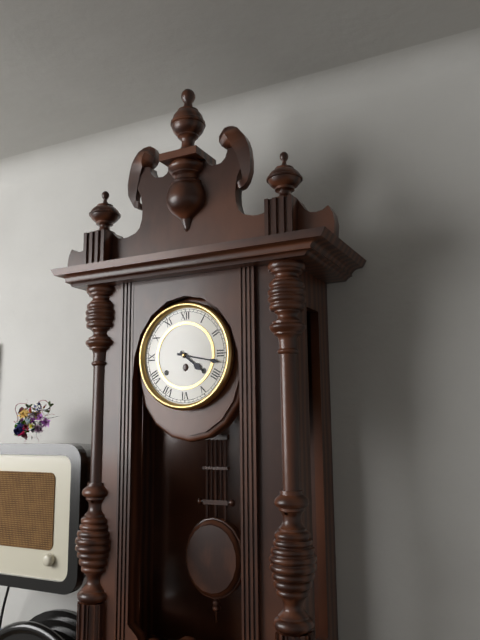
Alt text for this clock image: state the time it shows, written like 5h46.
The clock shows 4h17
